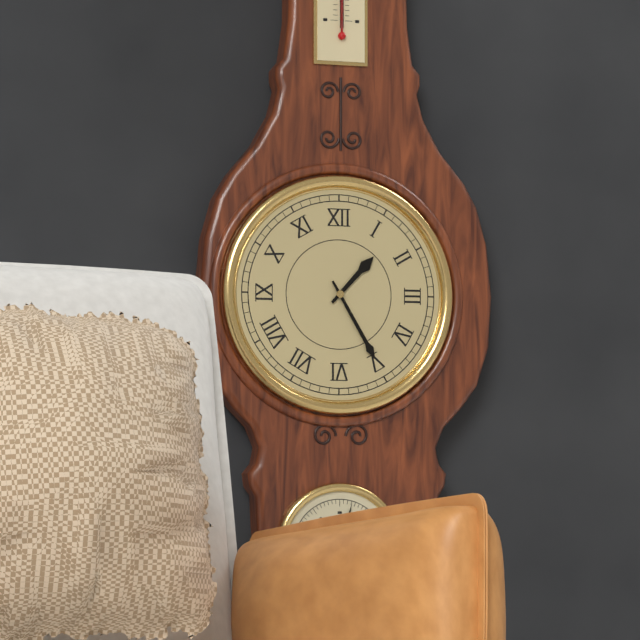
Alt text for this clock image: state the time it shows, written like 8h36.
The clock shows 1h25
